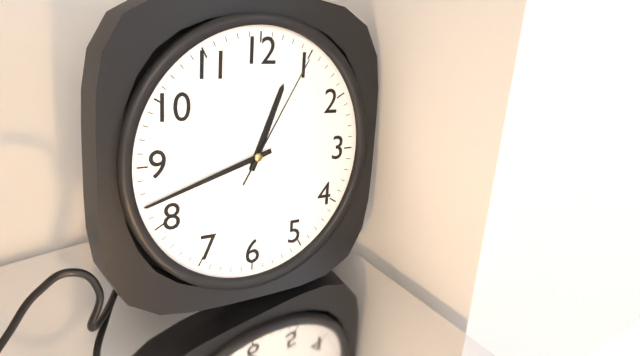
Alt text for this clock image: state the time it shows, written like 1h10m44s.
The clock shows 12h42m05s
